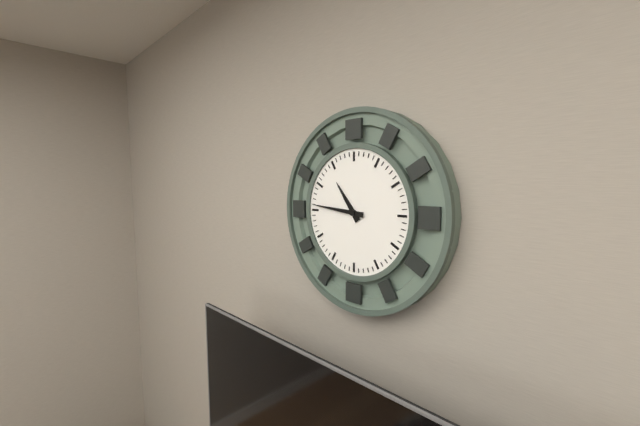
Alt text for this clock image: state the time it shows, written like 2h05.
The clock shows 10h46
